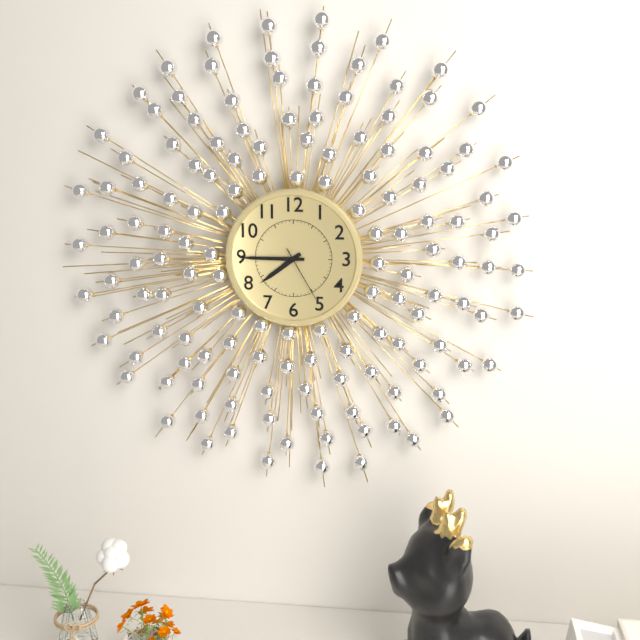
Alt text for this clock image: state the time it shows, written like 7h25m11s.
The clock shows 7h45m25s
